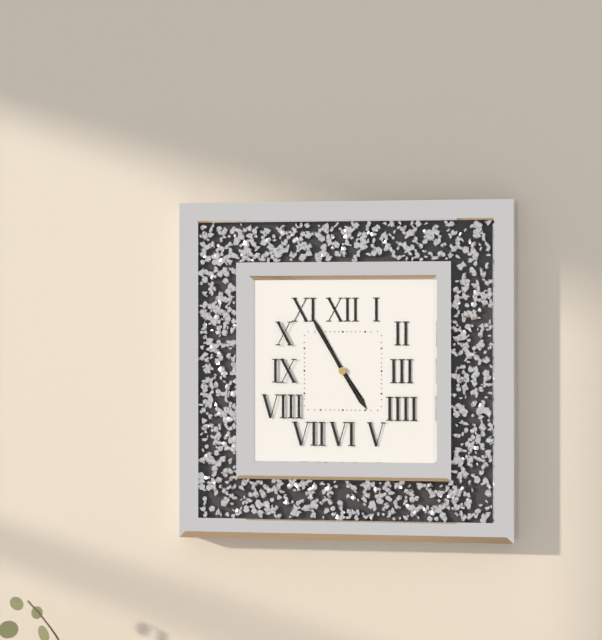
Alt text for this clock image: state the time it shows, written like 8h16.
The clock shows 4h55
